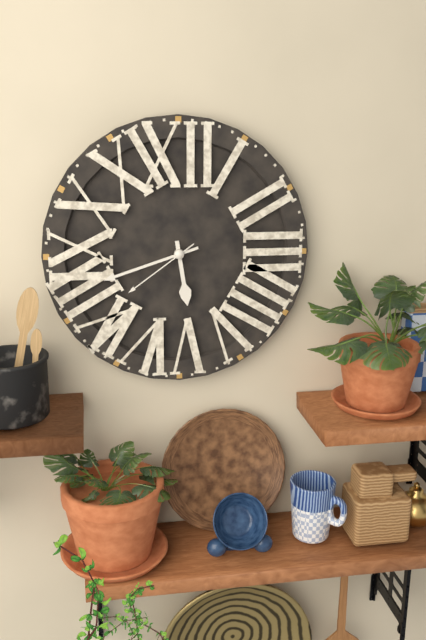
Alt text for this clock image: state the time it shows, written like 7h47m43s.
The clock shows 5h42m39s
